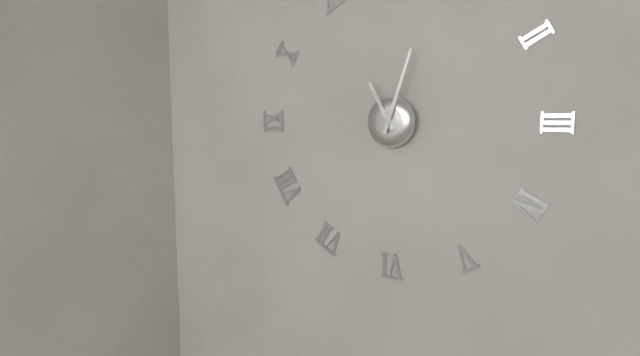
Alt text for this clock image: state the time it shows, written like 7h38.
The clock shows 11h03
